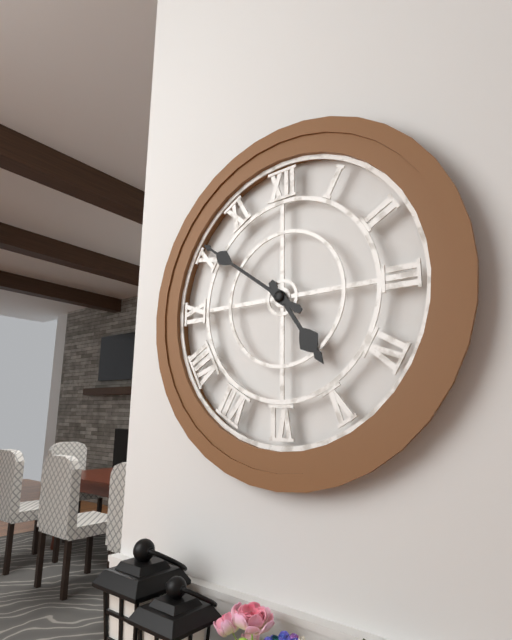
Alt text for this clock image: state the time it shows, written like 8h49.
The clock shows 4h51
